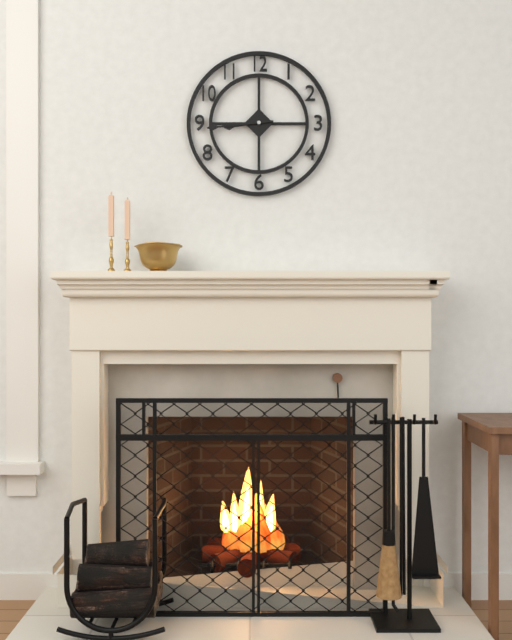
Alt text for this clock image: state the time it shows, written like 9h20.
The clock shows 8h44
